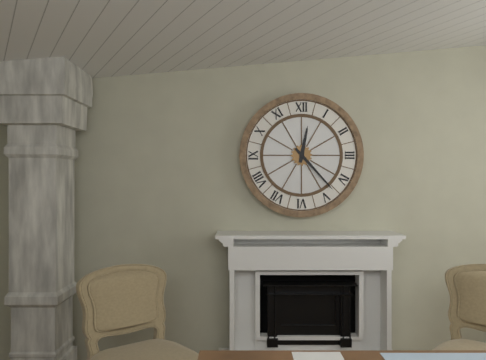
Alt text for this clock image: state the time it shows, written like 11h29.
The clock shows 12h23
